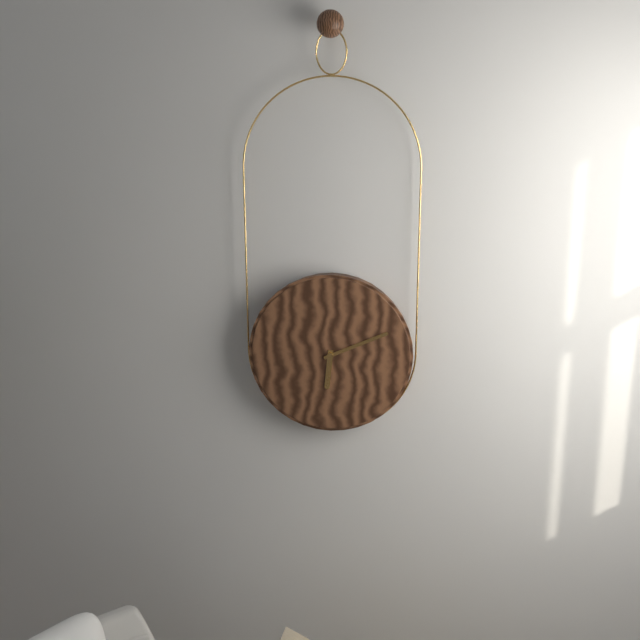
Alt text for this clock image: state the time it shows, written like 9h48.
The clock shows 6h11
